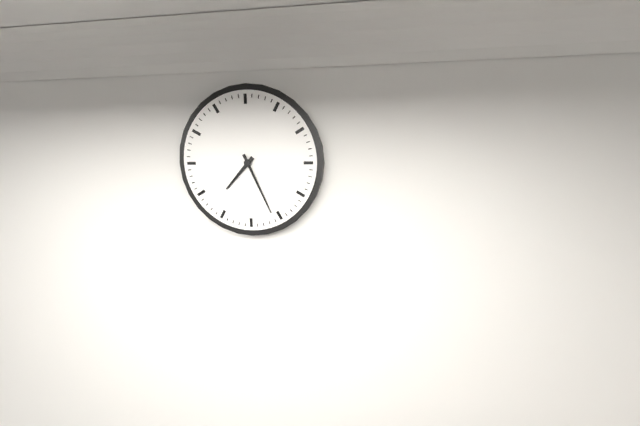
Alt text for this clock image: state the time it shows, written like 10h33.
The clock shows 7h26
